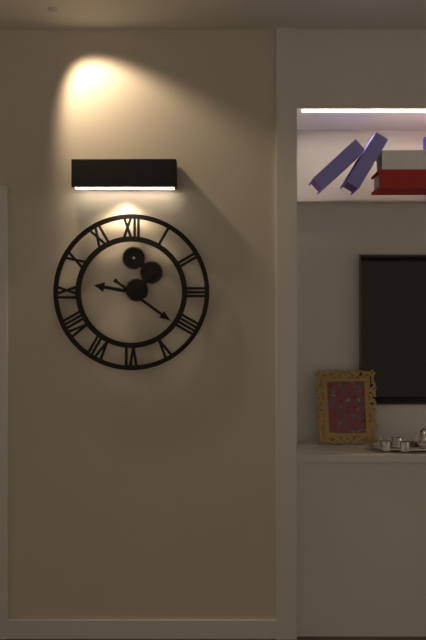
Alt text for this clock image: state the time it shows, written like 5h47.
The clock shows 9h21
